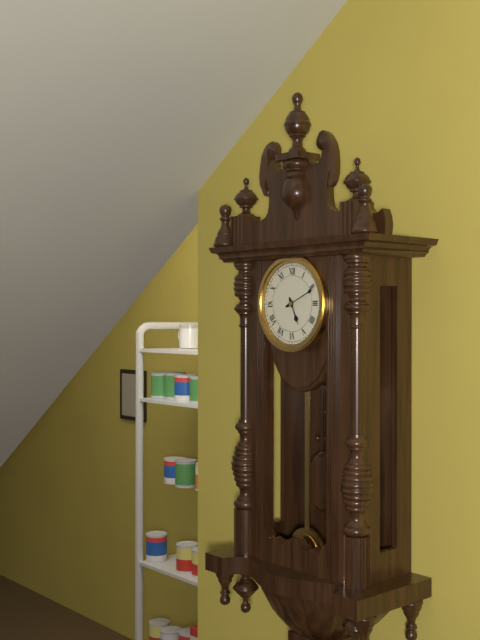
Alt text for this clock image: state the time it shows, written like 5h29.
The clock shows 5h11
